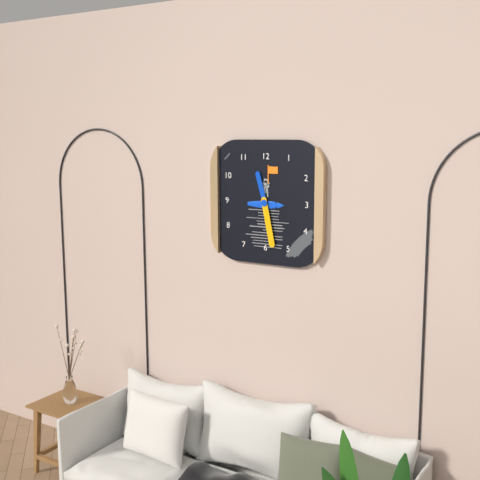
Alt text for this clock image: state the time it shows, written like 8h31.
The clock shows 11h28
